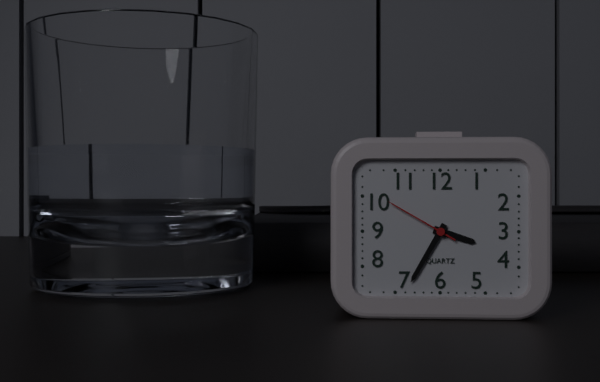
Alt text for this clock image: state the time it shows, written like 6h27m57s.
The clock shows 3h35m50s
